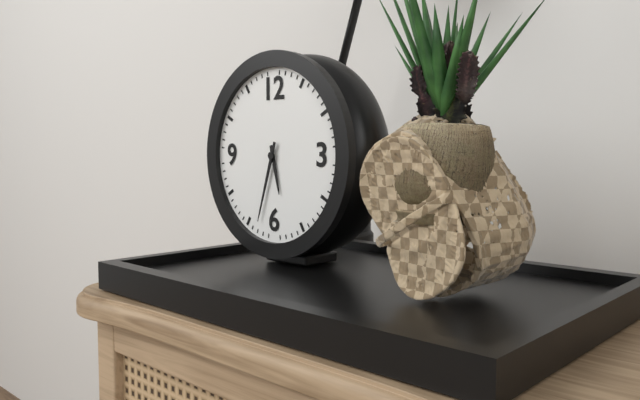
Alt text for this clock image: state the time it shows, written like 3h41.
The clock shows 5h33
